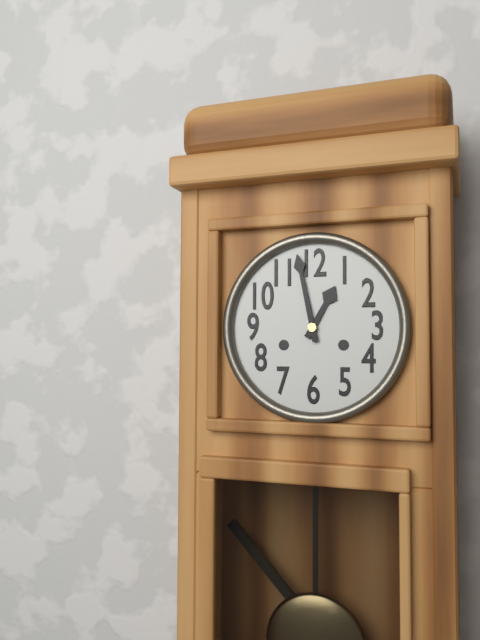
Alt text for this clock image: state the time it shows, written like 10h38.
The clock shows 12h58
